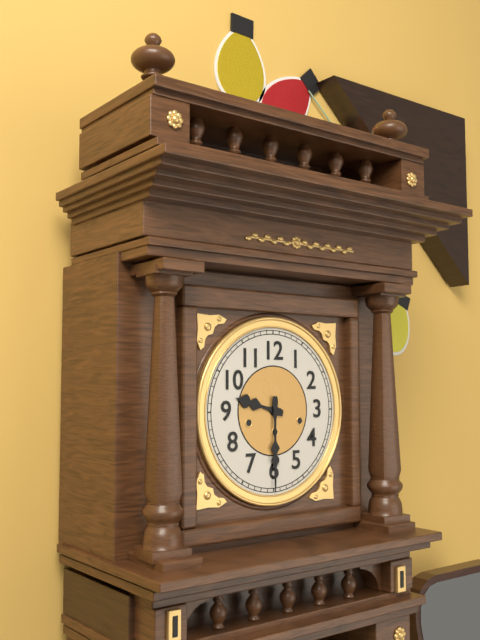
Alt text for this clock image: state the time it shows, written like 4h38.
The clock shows 9h30
